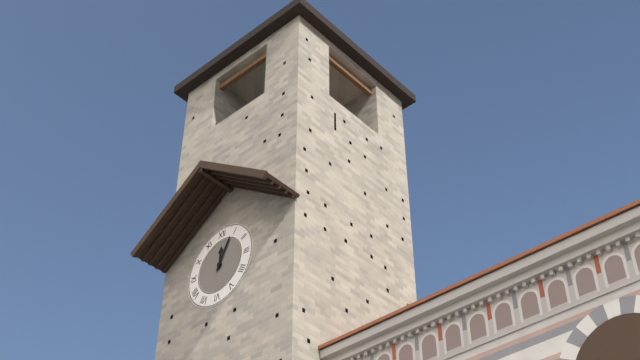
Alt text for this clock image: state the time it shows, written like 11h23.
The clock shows 12h04
